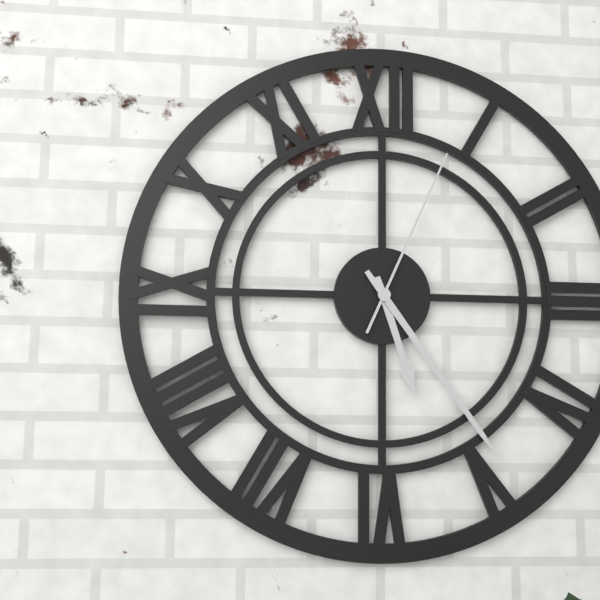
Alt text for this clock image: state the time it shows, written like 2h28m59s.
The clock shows 5h24m04s
